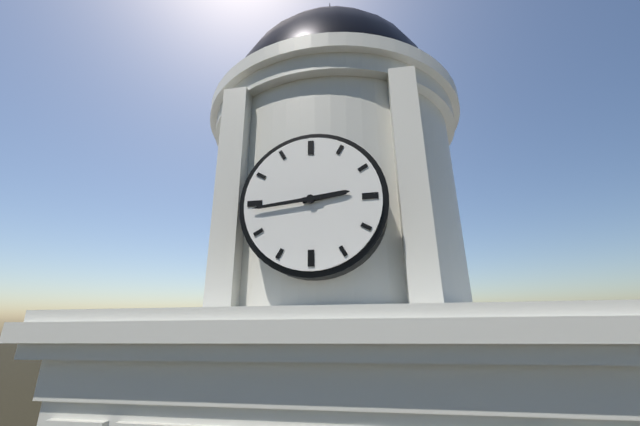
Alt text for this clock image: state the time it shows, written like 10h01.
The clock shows 2h44
